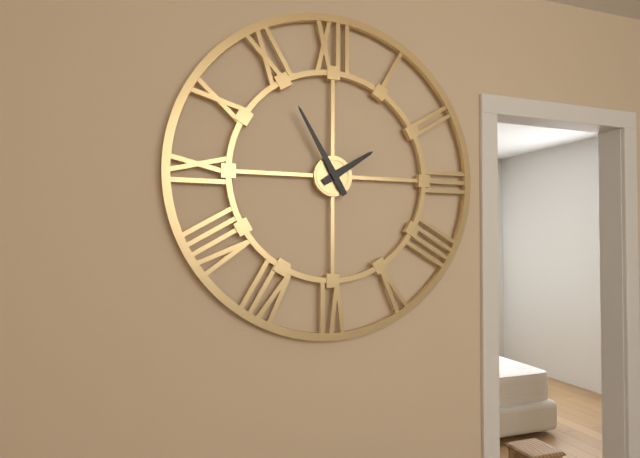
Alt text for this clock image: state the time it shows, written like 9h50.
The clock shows 1h55
